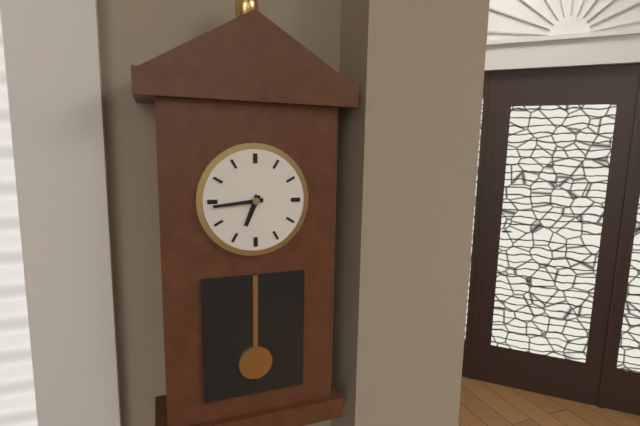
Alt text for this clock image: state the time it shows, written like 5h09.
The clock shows 6h44
